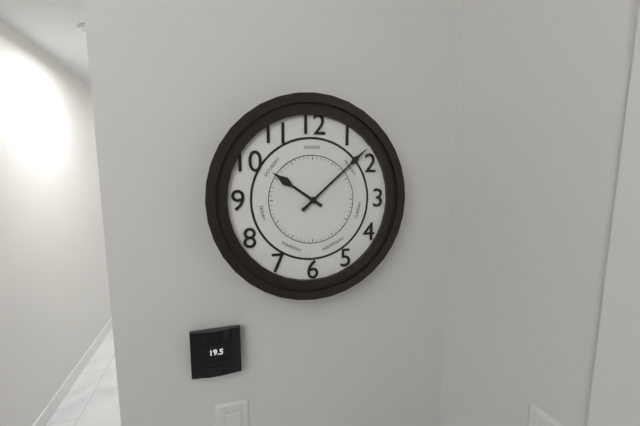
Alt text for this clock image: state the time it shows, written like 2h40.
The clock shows 10h08
